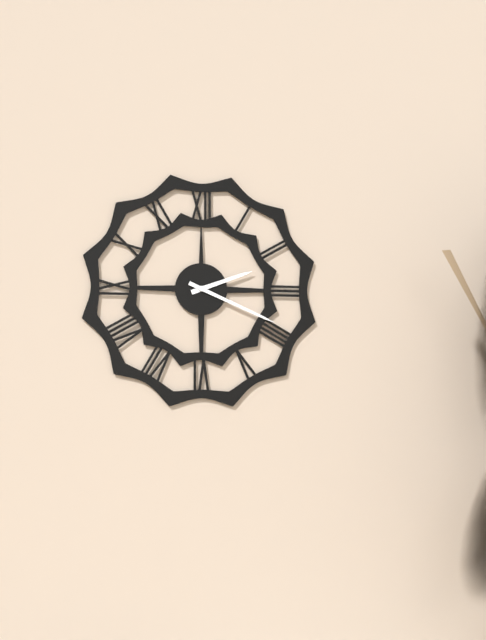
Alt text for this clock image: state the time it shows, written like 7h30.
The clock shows 2h19
